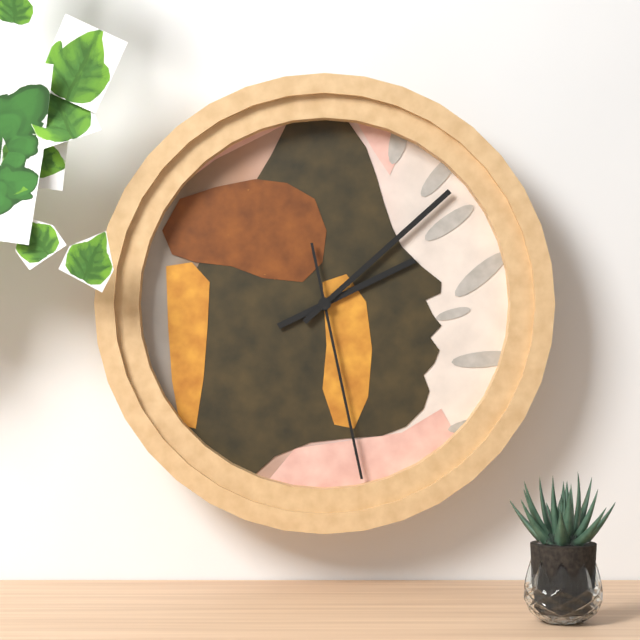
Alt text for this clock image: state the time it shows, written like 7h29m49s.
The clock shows 2h08m28s
